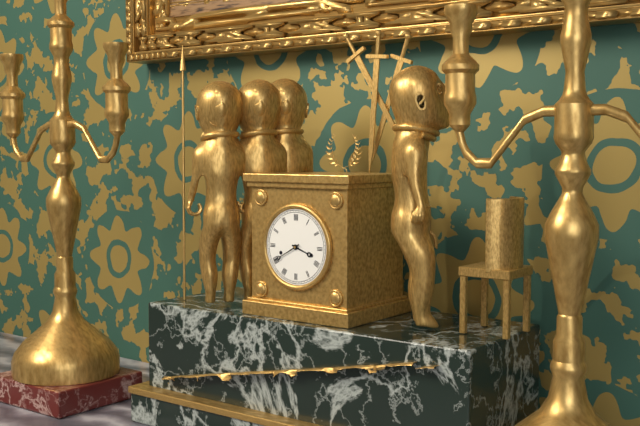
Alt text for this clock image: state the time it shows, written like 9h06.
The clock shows 3h40
